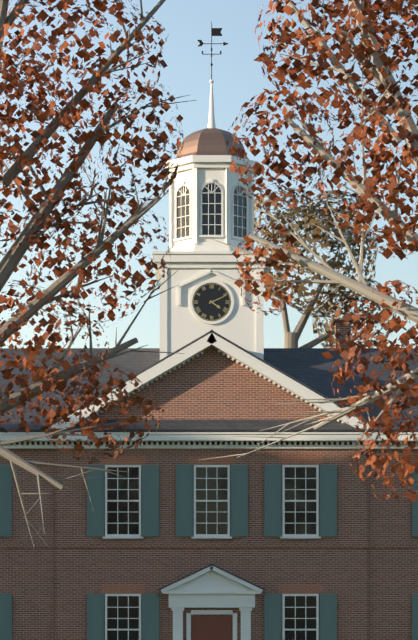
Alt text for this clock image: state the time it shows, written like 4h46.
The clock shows 4h11
